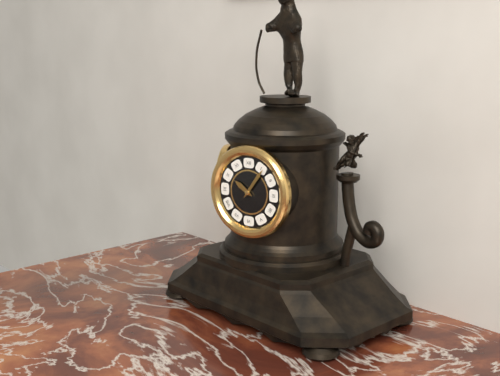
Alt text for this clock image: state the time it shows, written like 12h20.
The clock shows 10h06
